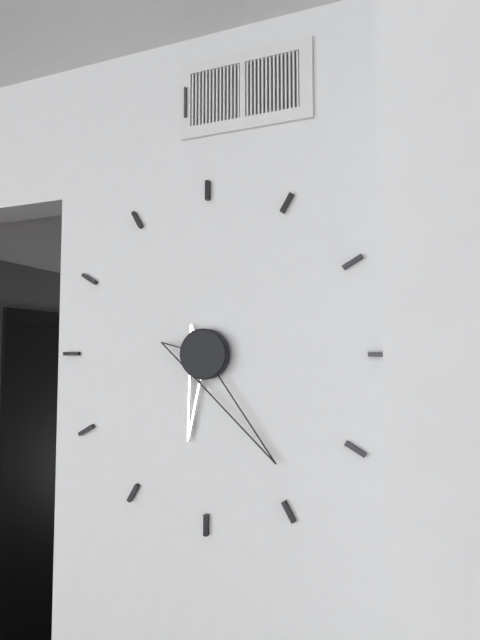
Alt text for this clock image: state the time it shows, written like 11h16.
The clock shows 6h24
